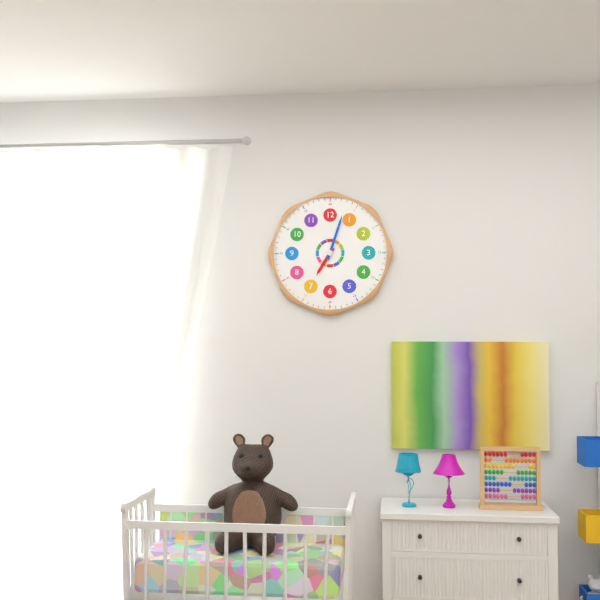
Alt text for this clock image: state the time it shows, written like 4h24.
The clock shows 7h03
